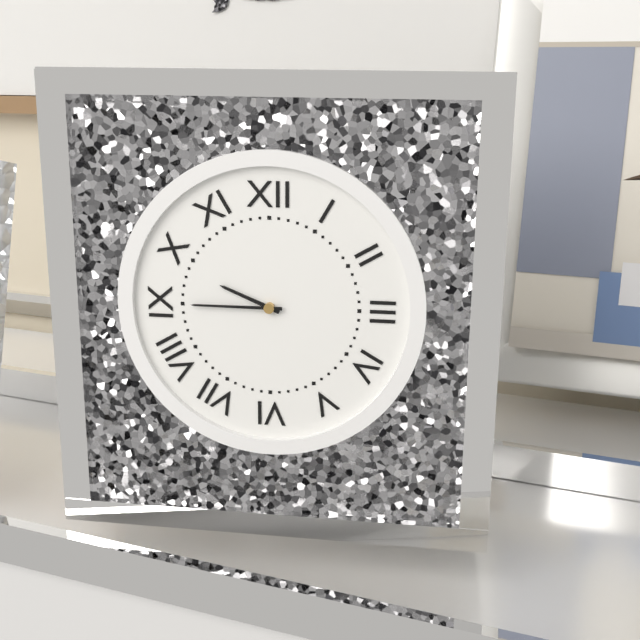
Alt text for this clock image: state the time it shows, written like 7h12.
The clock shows 9h45
